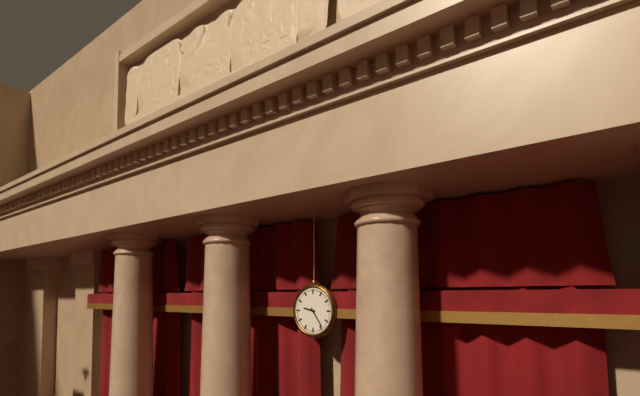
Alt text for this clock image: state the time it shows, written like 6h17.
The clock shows 9h24
